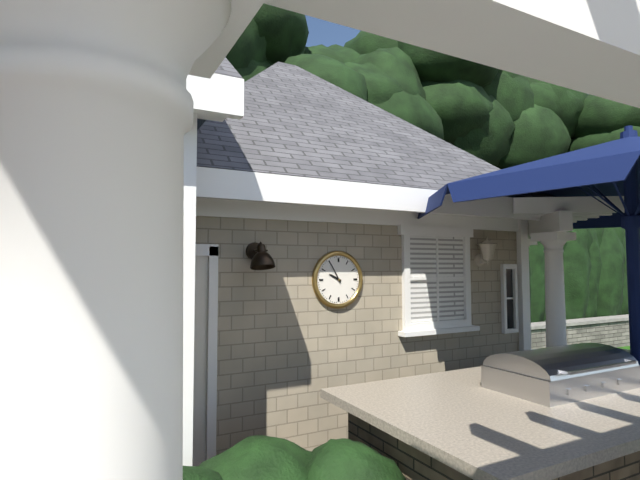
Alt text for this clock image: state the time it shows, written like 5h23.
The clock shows 9h55
